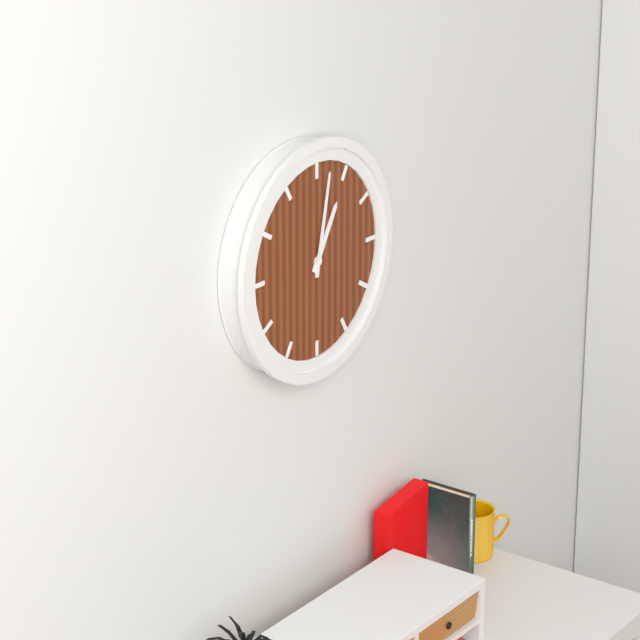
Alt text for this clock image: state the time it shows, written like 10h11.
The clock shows 1h02
